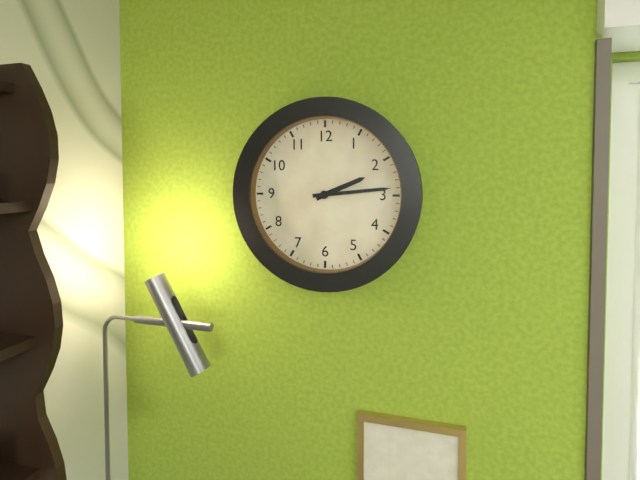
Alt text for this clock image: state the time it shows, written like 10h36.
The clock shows 2h14
